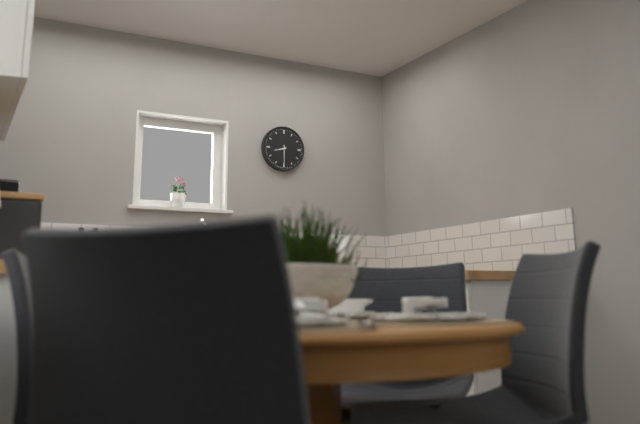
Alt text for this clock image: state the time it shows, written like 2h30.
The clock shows 8h30
